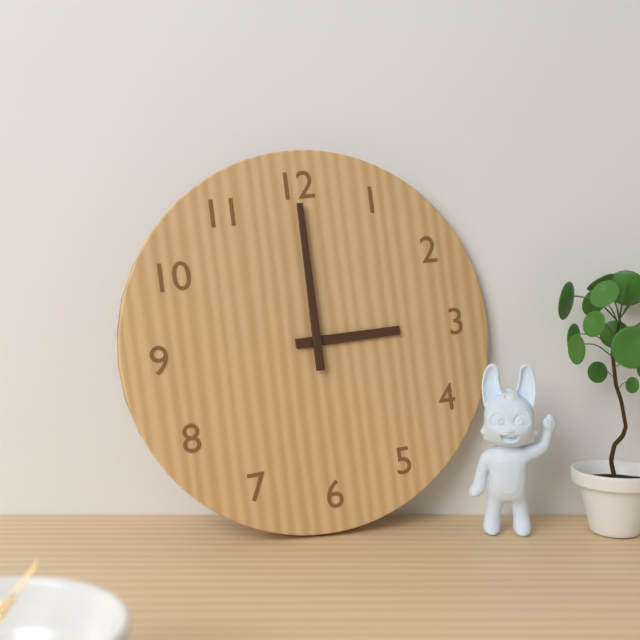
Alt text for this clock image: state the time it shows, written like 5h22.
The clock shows 3h00
